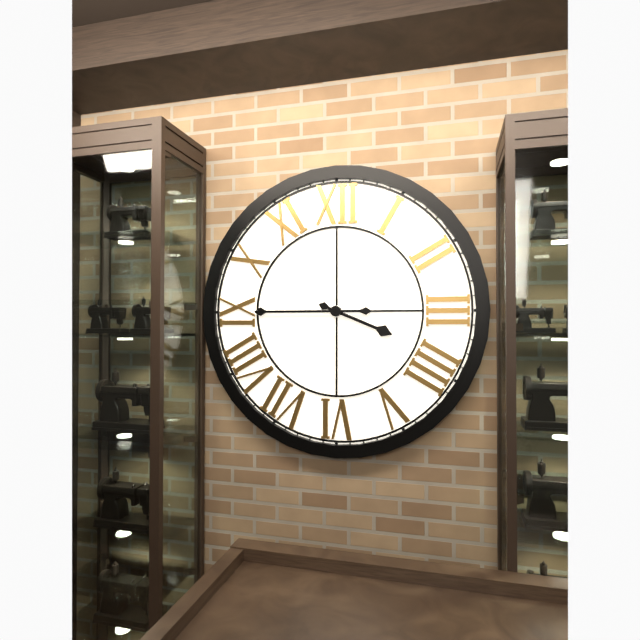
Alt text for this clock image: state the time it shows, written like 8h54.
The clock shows 3h45
